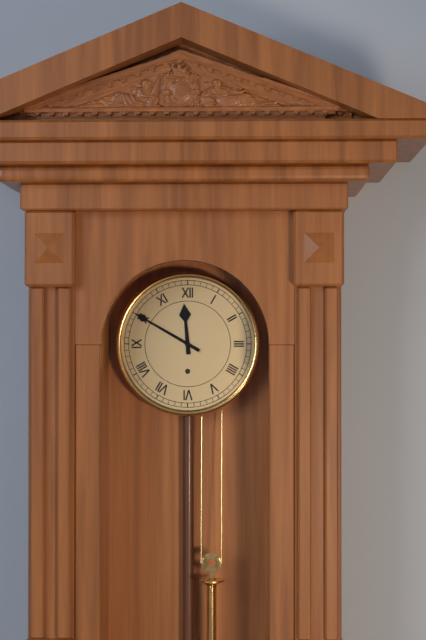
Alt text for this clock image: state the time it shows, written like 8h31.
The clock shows 11h50
